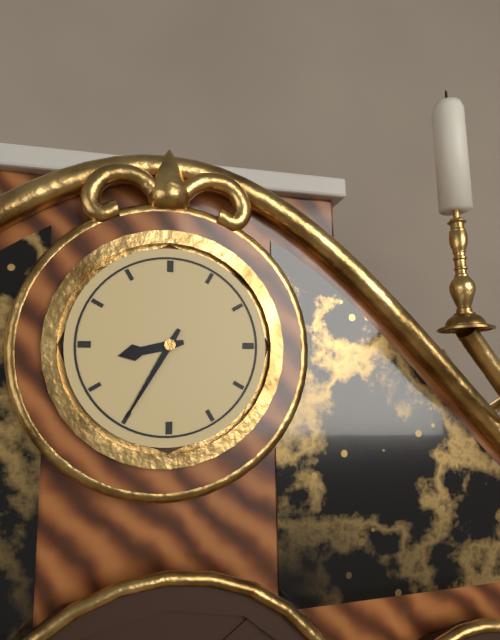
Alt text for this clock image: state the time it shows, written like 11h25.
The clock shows 8h35
